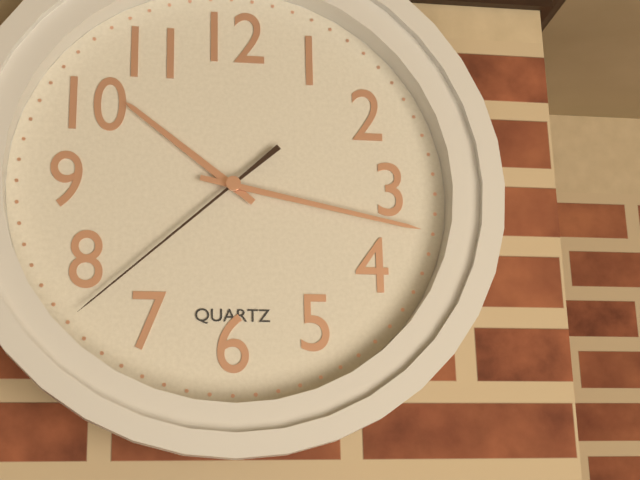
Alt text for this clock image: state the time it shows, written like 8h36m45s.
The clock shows 10h17m38s
